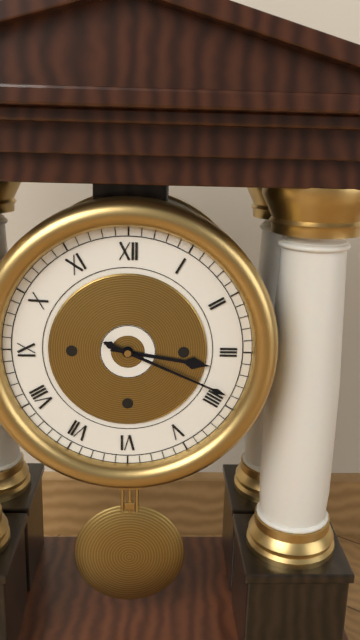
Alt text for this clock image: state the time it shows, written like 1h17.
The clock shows 3h19
